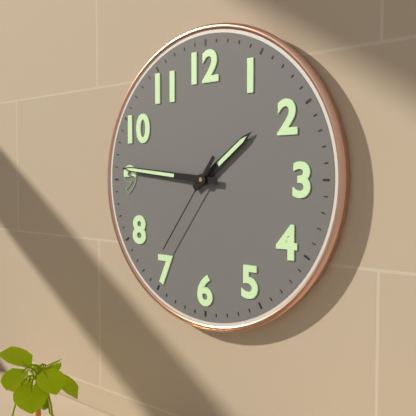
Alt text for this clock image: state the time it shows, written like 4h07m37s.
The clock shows 1h46m36s
